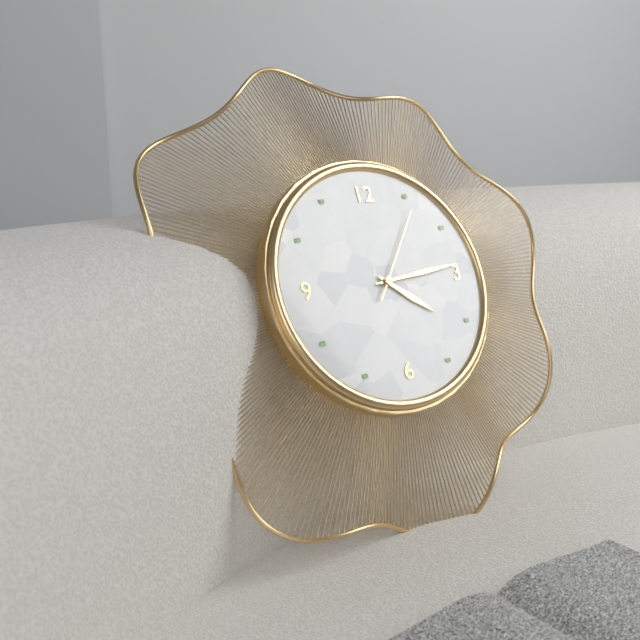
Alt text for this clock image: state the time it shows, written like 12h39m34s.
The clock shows 4h14m06s
